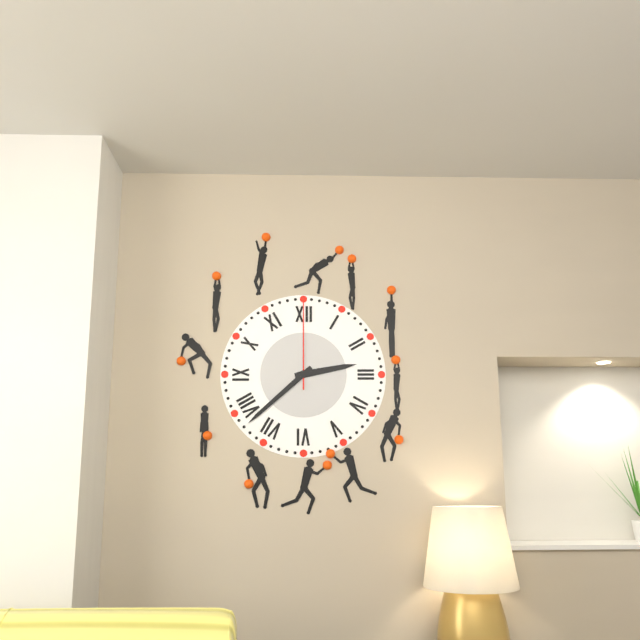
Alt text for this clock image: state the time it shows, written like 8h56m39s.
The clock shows 2h38m00s
